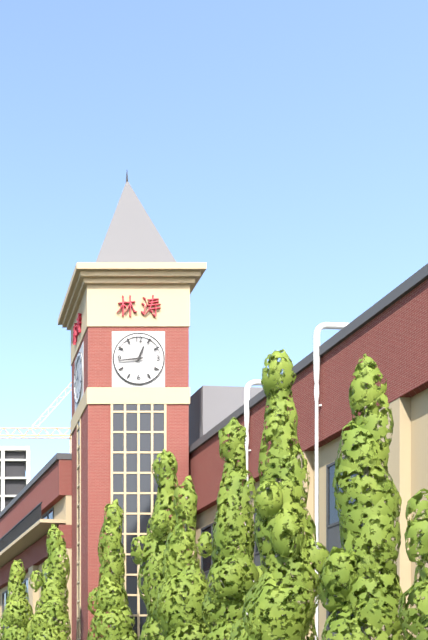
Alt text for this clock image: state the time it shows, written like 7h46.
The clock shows 12h44
